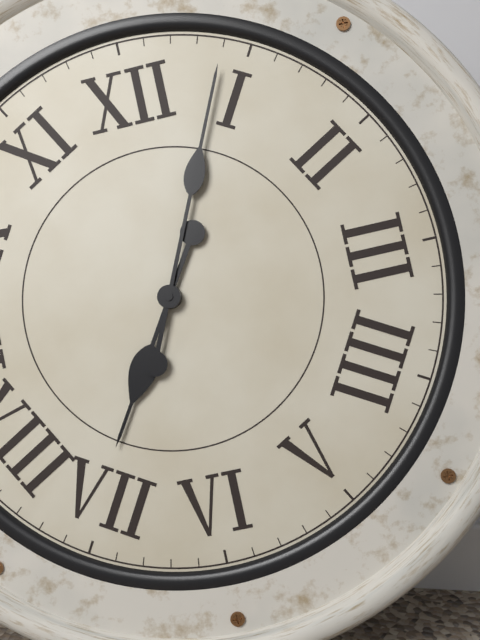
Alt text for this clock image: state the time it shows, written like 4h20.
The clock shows 7h04
